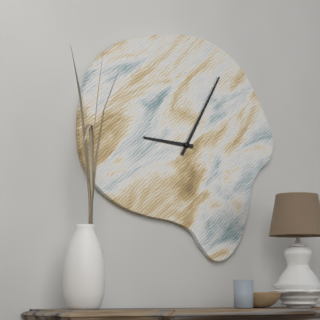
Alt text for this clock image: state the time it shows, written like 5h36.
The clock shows 9h05
